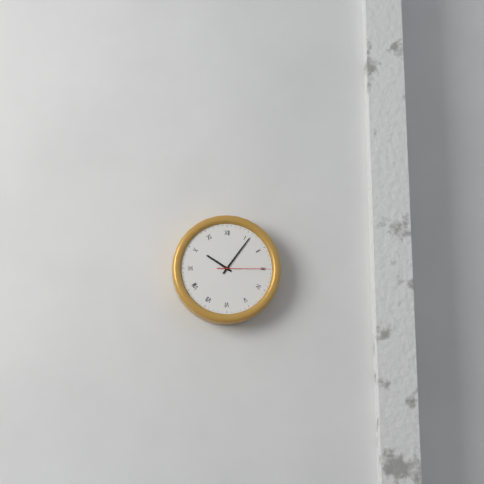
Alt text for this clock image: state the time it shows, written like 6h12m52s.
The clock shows 10h06m15s
